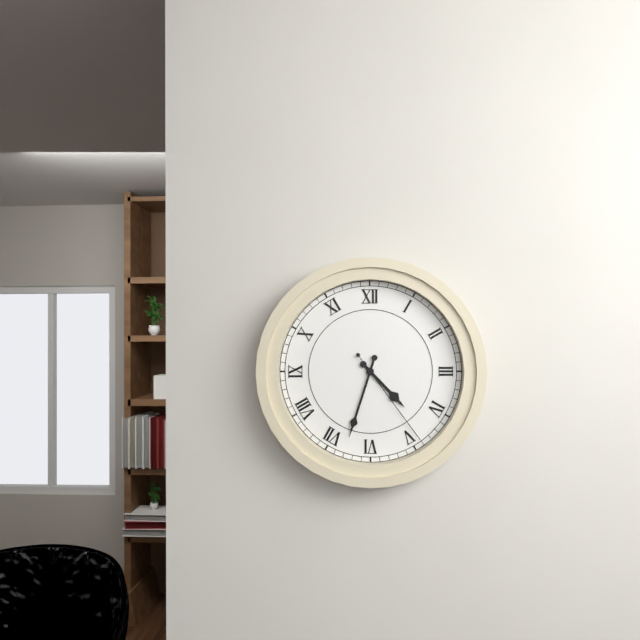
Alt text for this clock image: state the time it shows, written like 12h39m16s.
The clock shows 4h33m24s
